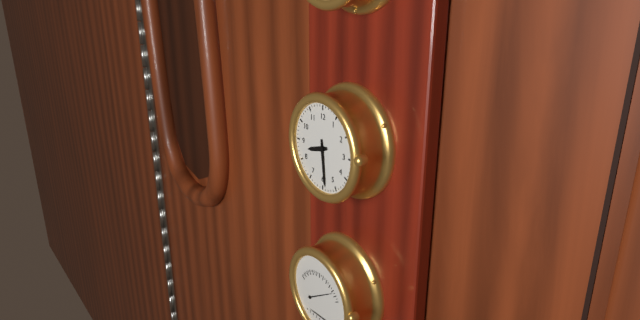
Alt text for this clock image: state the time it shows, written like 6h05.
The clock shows 8h29
